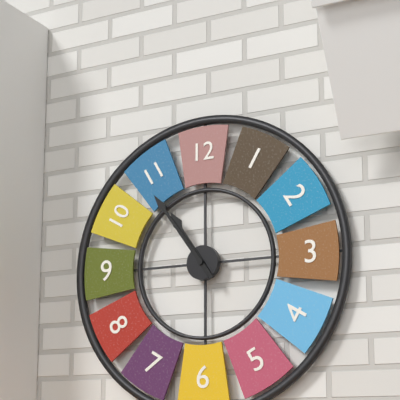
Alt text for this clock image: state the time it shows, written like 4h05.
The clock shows 10h54
